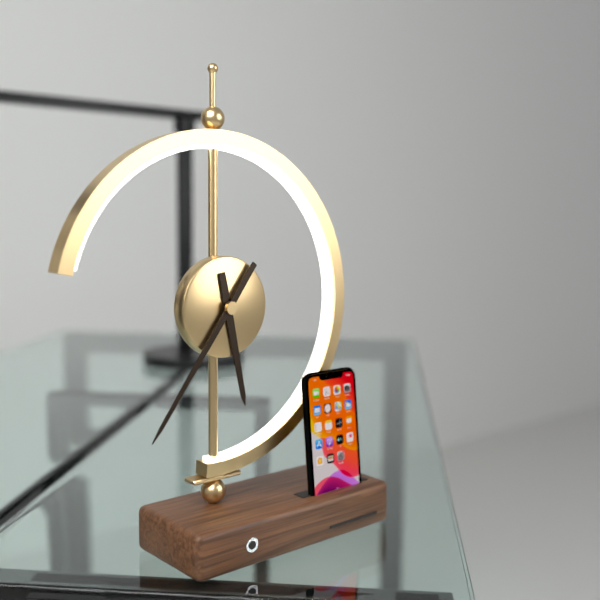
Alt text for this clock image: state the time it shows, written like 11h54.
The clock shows 5h36
